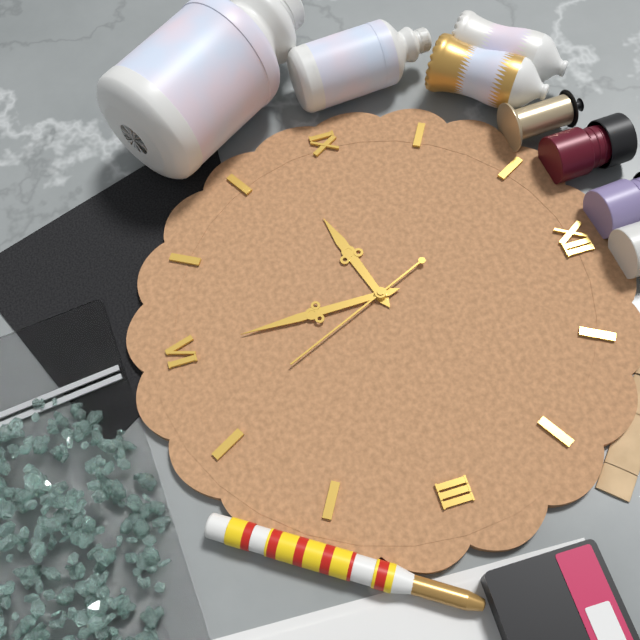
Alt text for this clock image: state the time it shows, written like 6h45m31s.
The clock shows 8h30m26s
